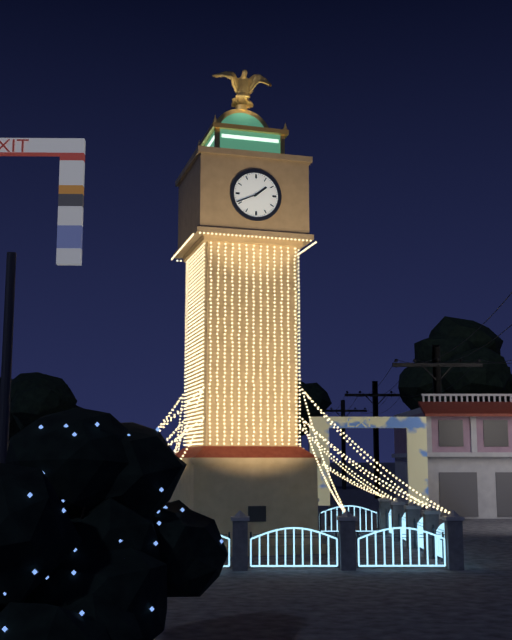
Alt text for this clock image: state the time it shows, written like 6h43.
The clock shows 1h41
